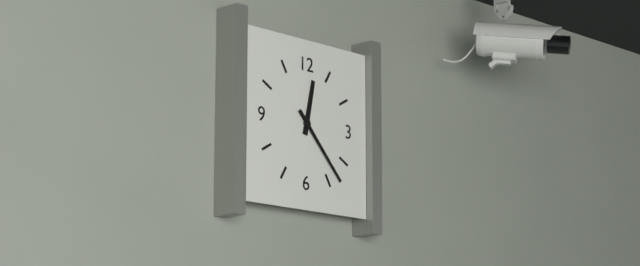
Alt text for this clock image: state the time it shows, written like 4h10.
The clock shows 12h23
